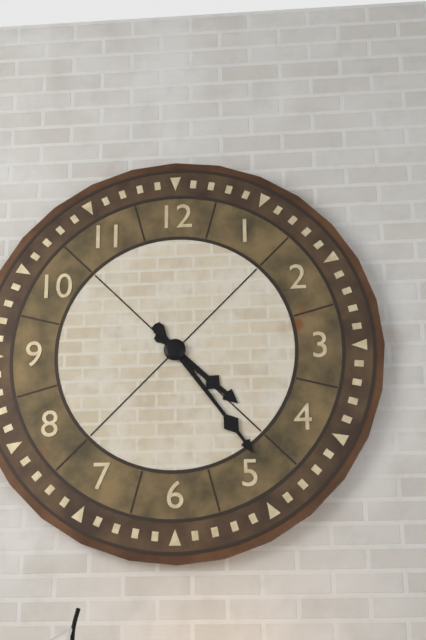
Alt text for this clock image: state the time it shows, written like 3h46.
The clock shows 4h24
